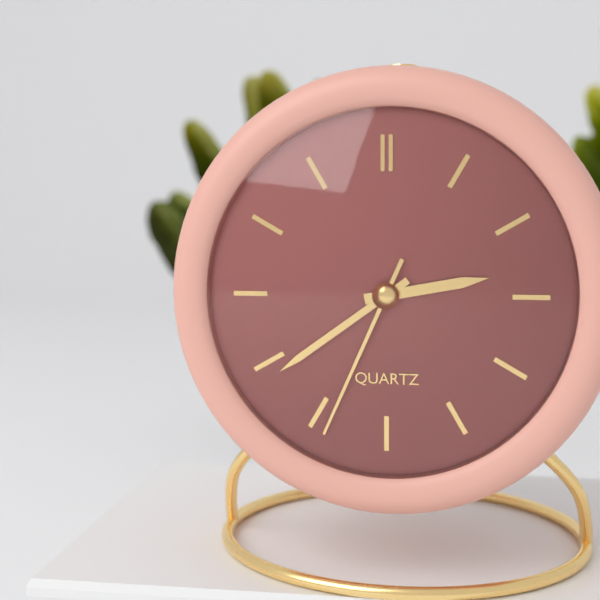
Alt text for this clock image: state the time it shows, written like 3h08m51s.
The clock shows 2h39m34s
